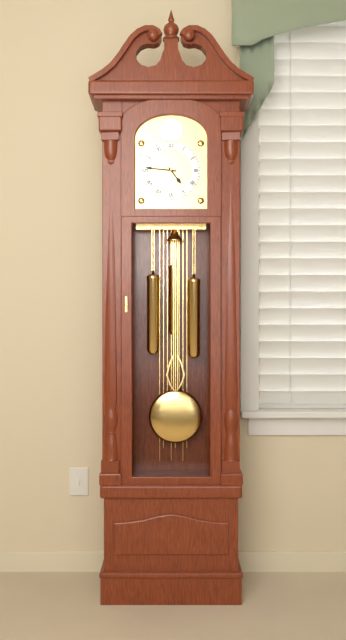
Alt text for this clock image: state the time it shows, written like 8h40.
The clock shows 4h46
